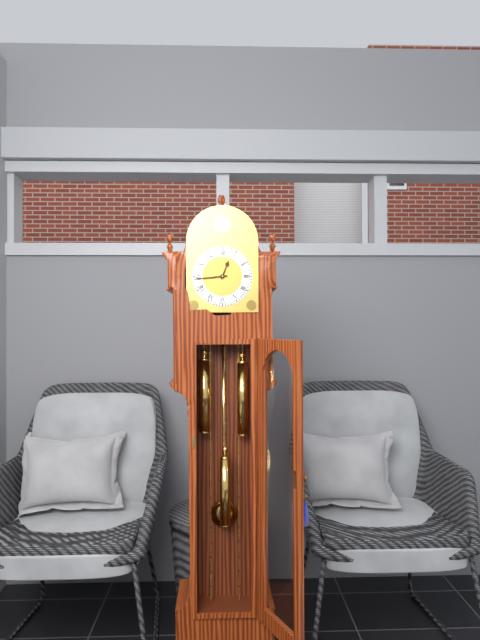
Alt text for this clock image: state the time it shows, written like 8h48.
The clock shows 12h44
